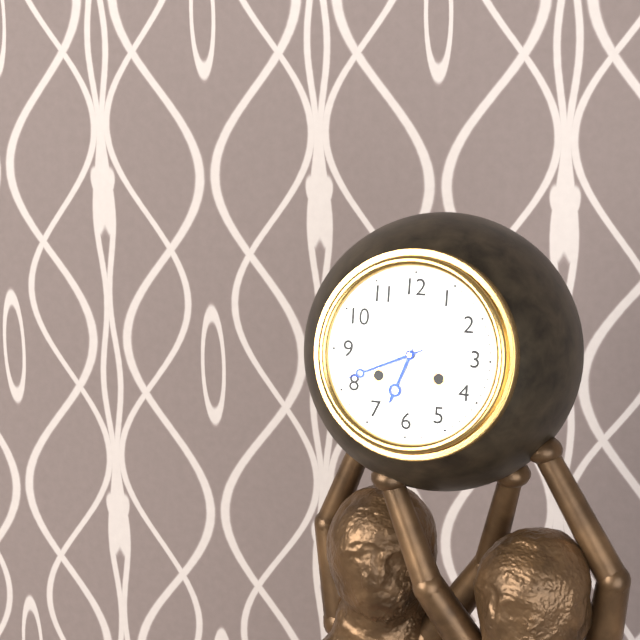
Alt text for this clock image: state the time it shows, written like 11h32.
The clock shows 6h41
